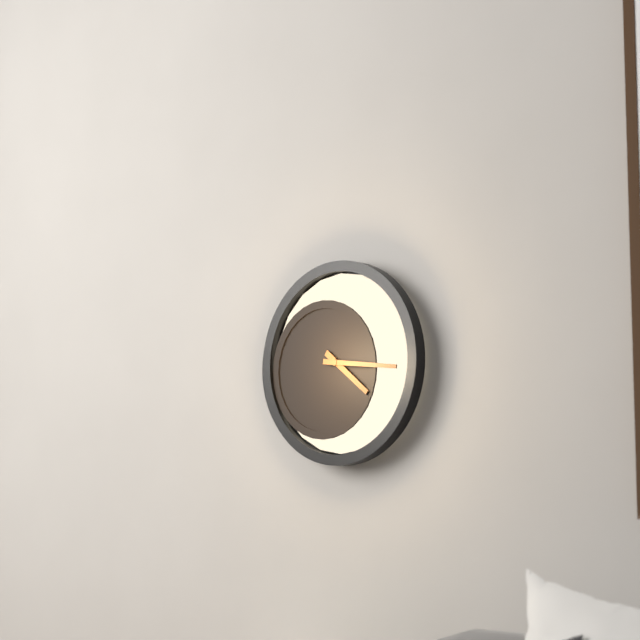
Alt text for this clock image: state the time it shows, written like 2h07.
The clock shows 4h16
